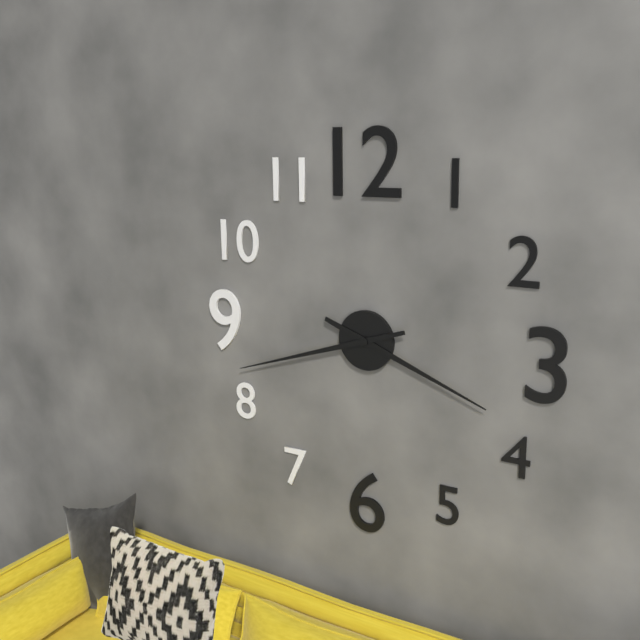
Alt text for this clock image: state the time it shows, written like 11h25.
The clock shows 3h42
